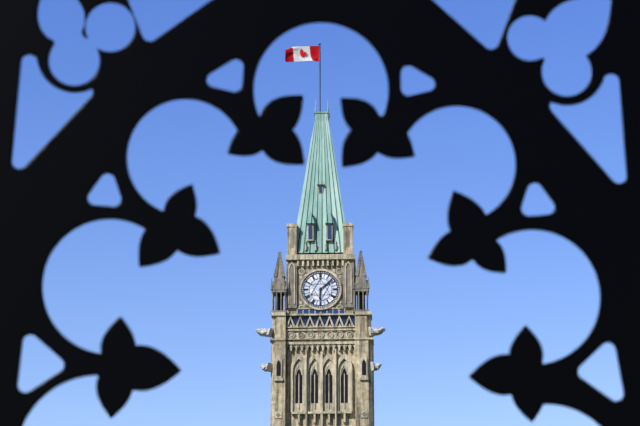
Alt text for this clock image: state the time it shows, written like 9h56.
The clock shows 6h08
